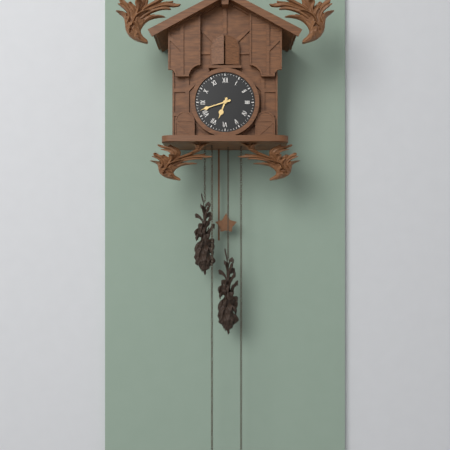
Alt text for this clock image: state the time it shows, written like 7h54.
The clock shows 6h42
